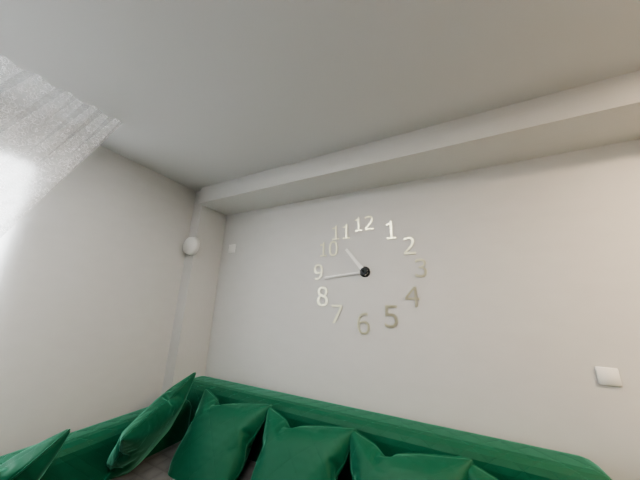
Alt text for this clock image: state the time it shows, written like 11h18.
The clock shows 10h44
